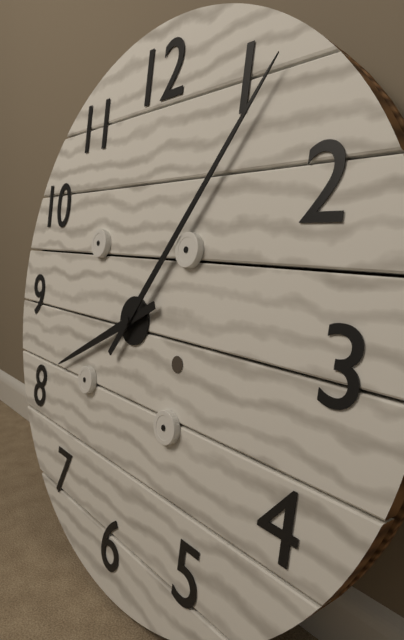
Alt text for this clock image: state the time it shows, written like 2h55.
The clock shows 8h06
